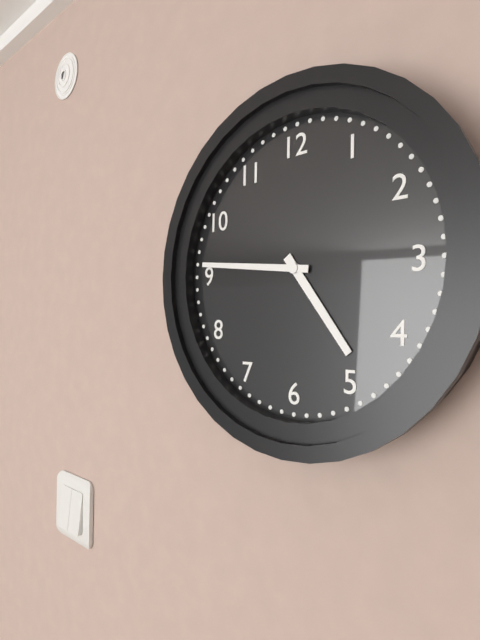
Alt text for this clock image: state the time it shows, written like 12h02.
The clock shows 4h46
